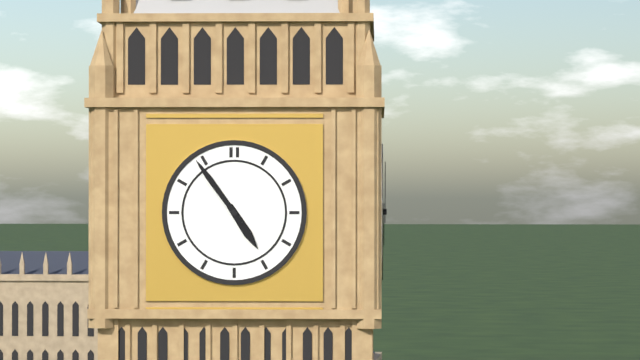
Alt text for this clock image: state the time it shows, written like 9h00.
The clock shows 4h54
